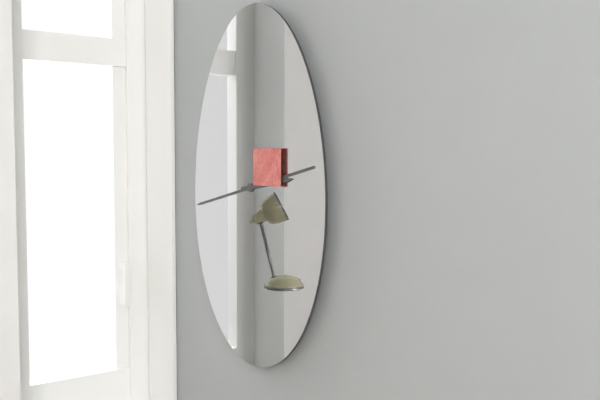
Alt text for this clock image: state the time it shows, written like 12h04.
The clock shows 2h43
